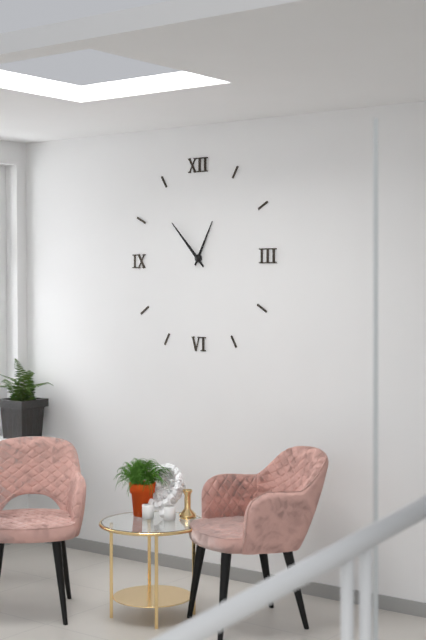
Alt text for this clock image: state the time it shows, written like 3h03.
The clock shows 12h53
